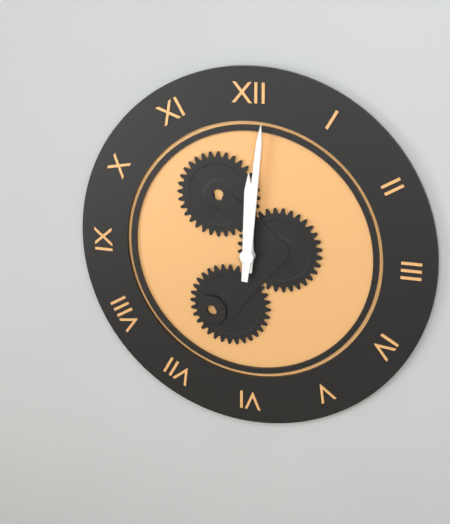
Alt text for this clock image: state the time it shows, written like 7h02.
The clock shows 12h01
